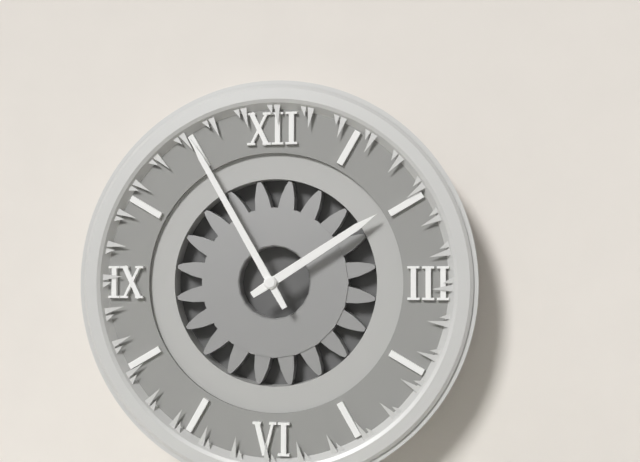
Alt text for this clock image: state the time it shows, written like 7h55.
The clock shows 1h55
